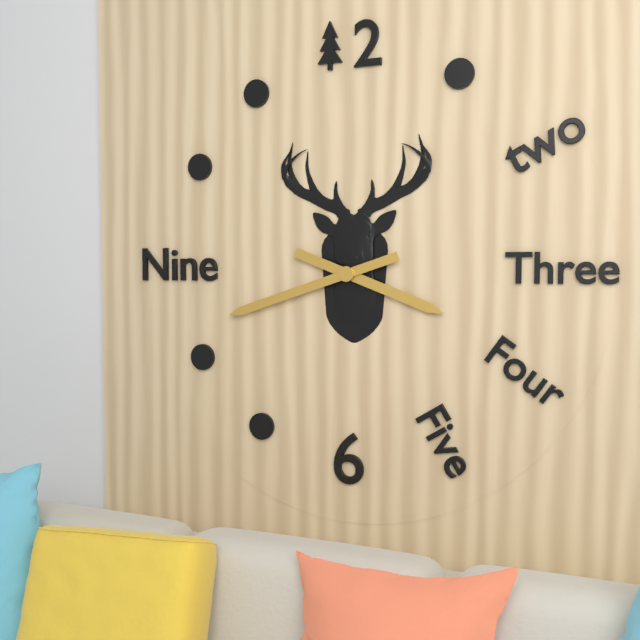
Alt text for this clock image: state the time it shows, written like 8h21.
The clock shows 3h42
